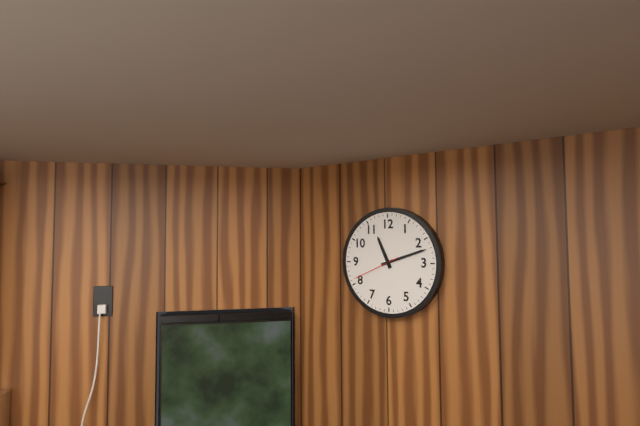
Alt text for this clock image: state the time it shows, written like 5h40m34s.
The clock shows 11h12m41s
